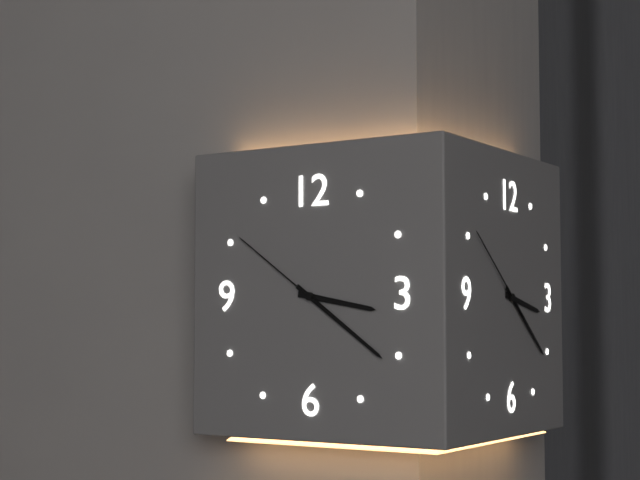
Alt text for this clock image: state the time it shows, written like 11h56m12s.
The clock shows 3h21m51s
